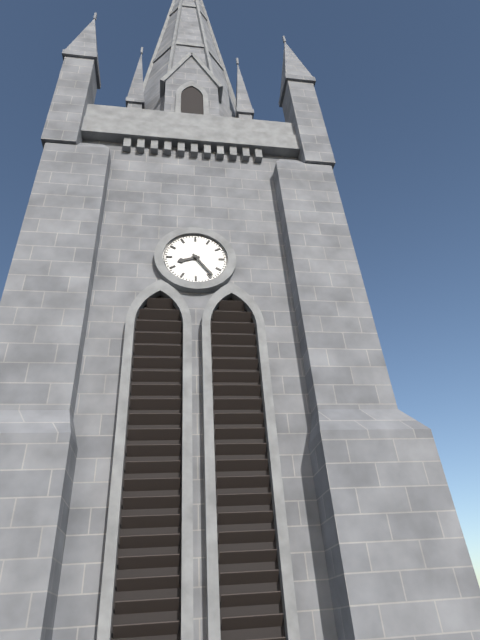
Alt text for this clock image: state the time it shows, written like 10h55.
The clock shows 8h24
